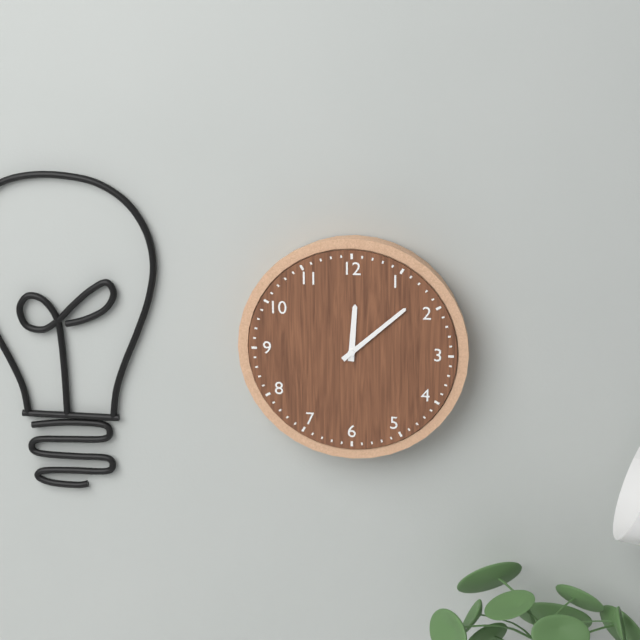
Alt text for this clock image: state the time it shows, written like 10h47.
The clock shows 12h08
